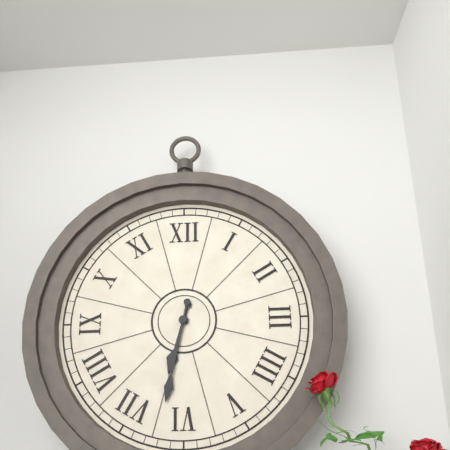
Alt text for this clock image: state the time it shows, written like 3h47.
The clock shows 6h32
